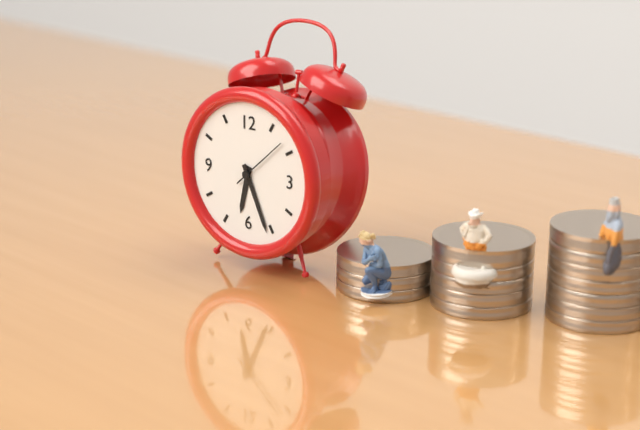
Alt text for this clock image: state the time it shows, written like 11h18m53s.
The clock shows 6h26m08s
